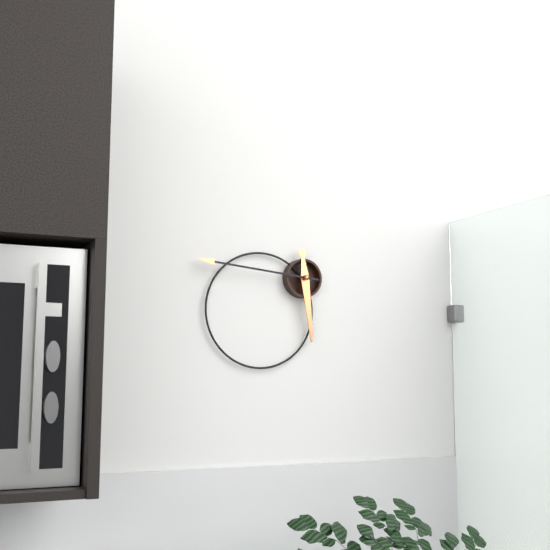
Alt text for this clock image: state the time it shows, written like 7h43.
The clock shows 5h46
